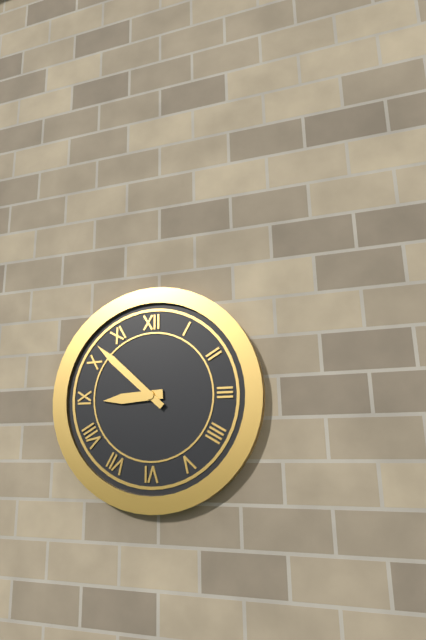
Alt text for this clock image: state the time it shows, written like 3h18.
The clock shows 8h52
